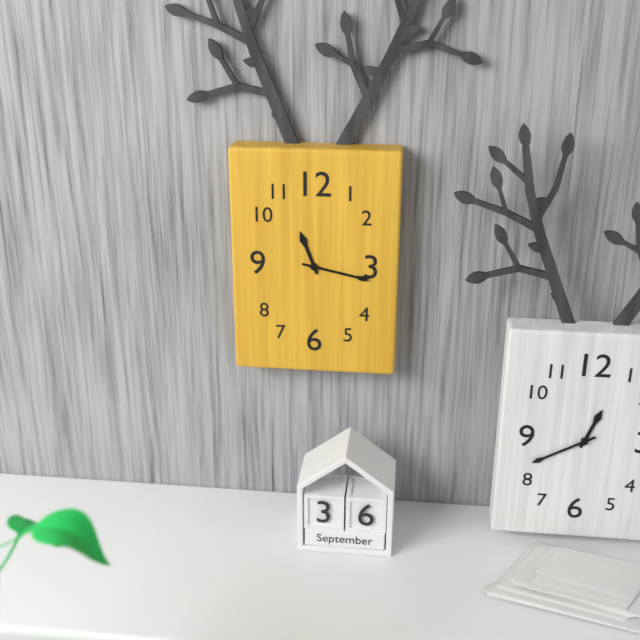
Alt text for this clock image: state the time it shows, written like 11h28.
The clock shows 11h17
